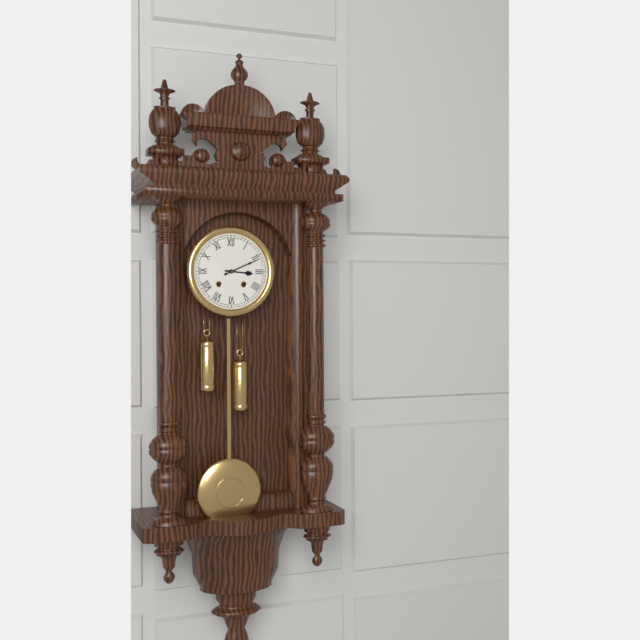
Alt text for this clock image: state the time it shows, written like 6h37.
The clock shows 3h11
